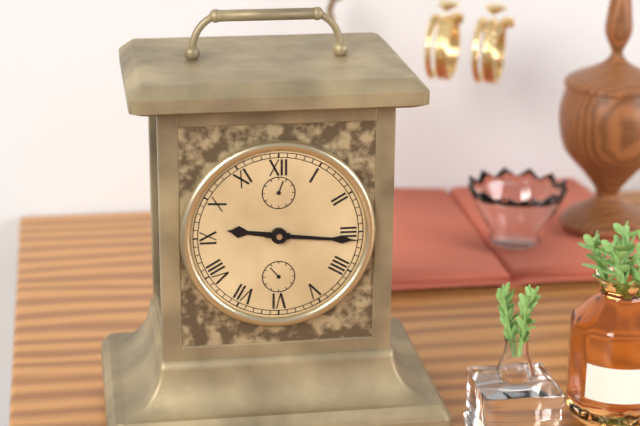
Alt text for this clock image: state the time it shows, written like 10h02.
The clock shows 9h16
